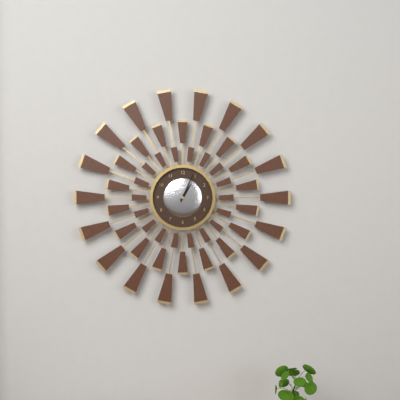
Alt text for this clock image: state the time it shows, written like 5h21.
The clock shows 1h04
